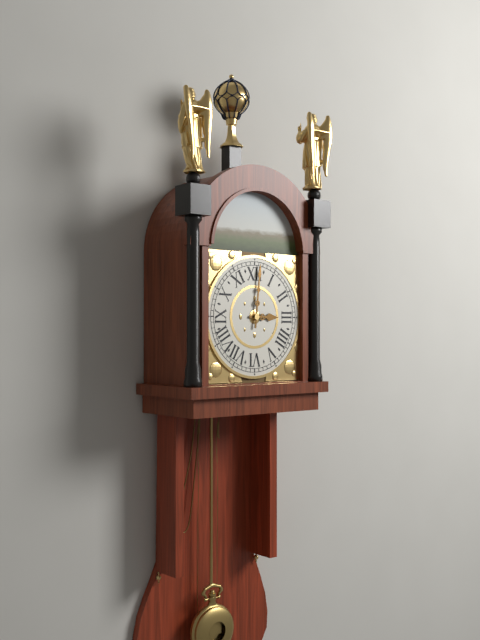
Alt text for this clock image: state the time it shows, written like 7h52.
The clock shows 3h01
